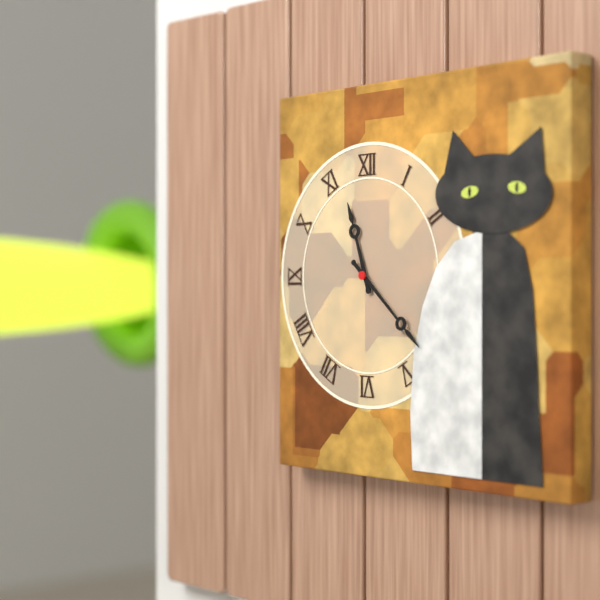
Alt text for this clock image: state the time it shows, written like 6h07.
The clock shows 11h22
